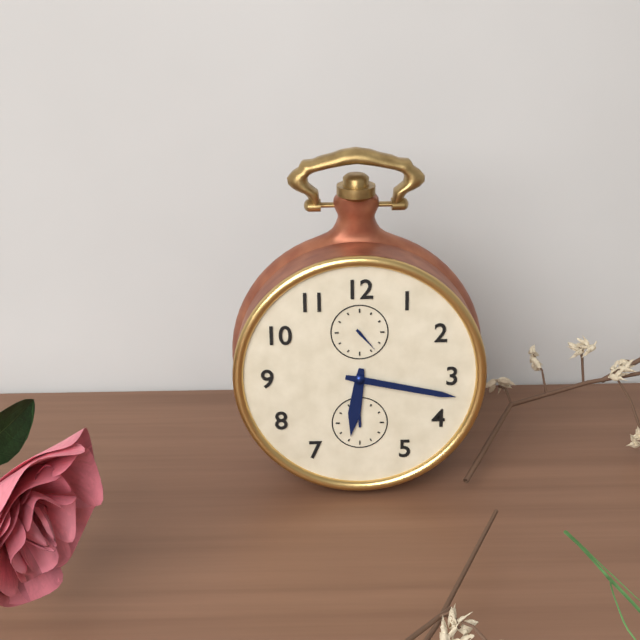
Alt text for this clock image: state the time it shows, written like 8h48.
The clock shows 6h17
